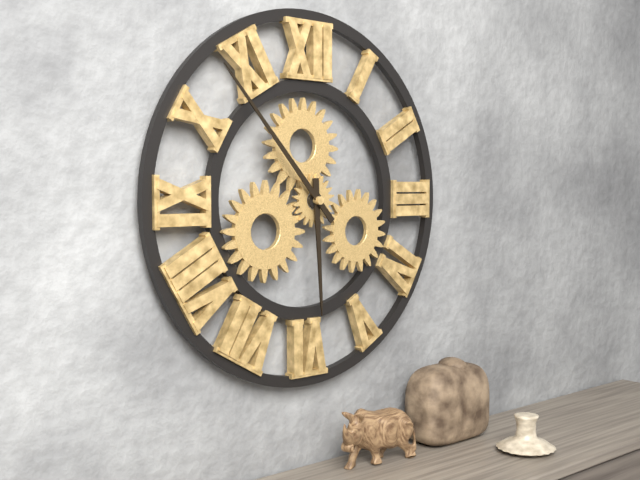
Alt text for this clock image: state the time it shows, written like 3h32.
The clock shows 5h53
